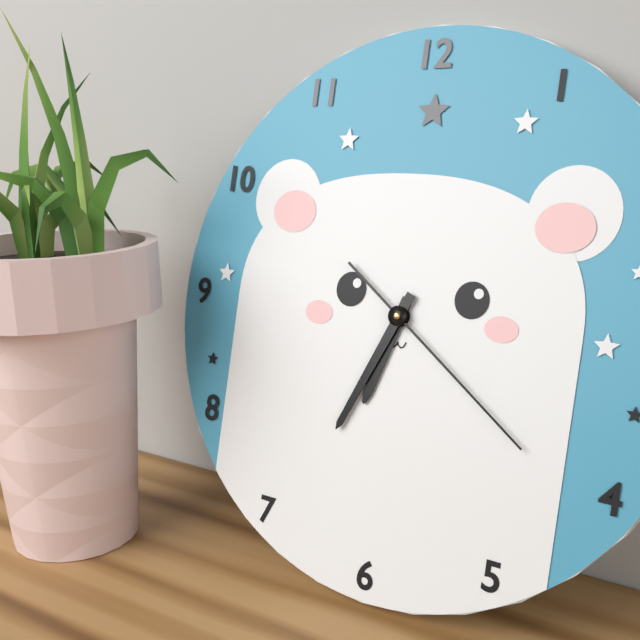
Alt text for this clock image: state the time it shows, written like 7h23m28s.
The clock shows 6h34m21s
